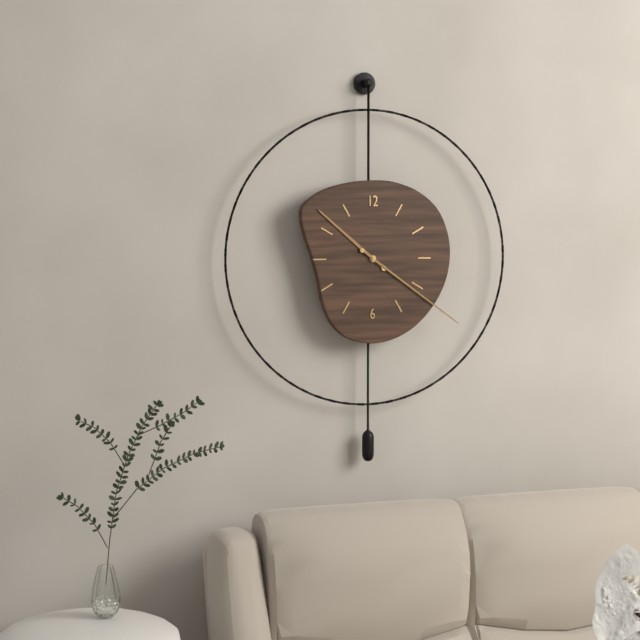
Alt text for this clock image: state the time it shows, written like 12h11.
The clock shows 10h21
